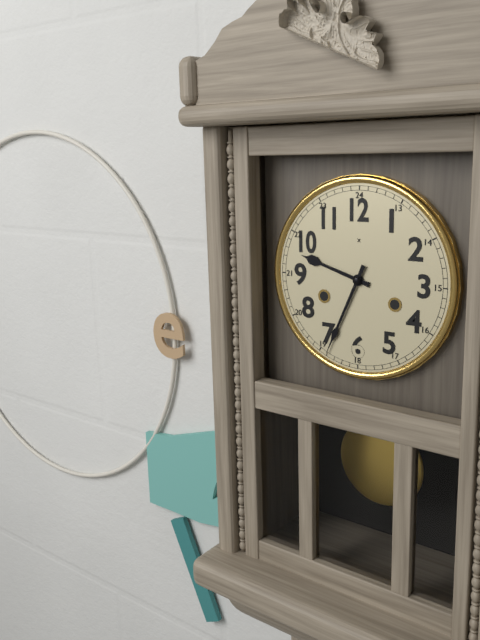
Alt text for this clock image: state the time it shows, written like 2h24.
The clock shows 9h34
